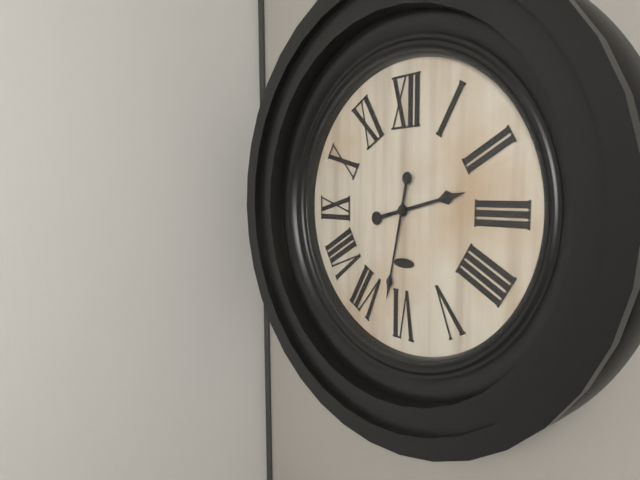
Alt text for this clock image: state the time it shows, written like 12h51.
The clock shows 2h32
